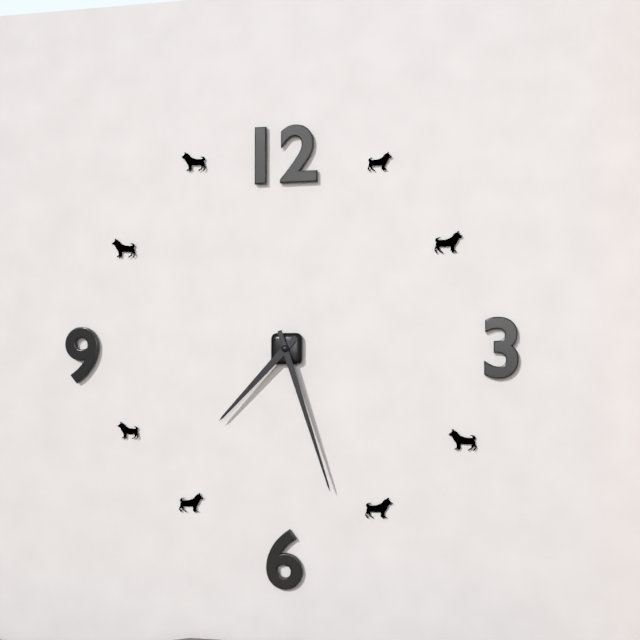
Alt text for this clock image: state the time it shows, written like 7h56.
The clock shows 7h27
